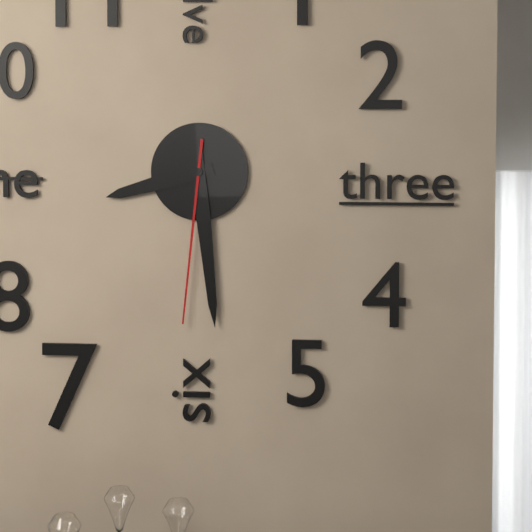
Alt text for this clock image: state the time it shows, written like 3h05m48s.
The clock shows 8h29m31s
